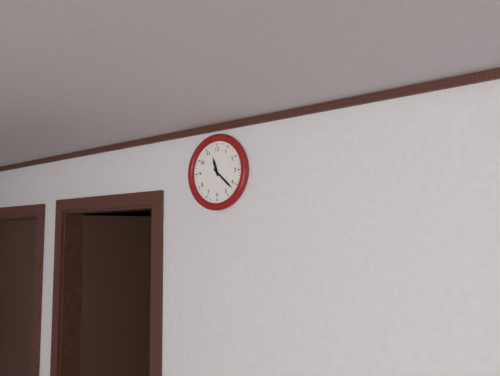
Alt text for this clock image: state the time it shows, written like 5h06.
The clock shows 11h22
